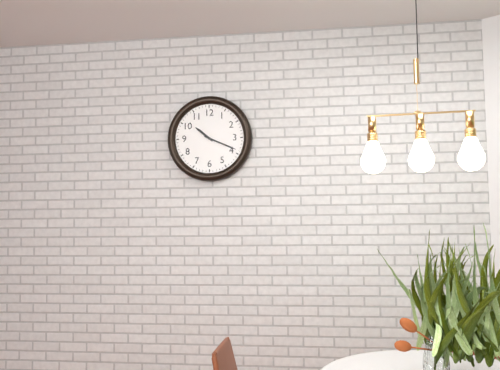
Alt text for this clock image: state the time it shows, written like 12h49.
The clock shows 10h19
